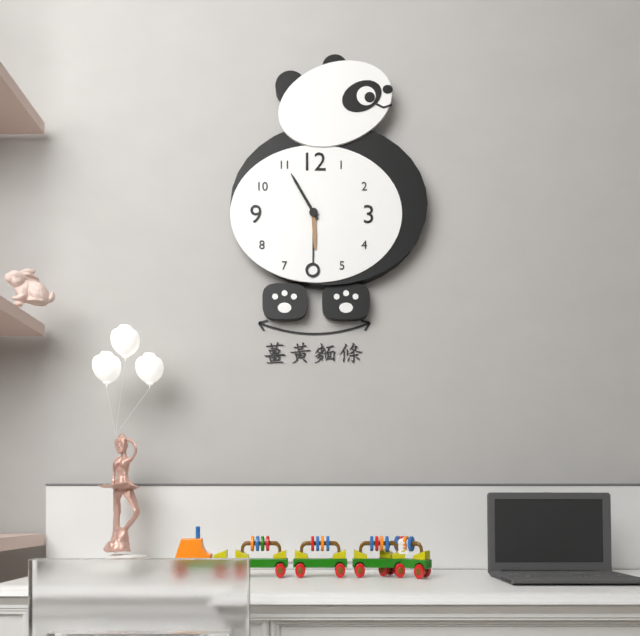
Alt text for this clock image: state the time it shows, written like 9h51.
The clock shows 5h55
